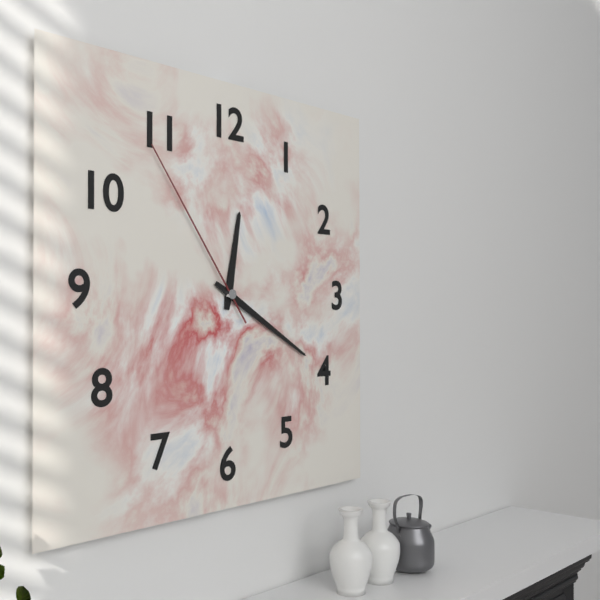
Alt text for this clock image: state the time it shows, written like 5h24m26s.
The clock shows 12h20m54s
